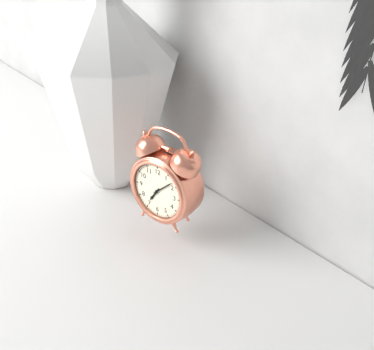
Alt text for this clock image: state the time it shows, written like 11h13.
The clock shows 7h08
